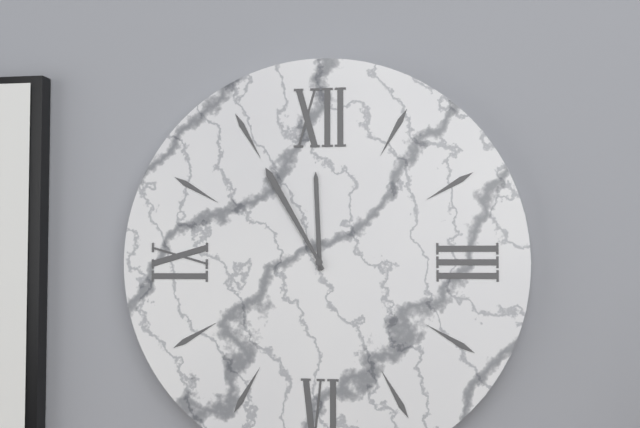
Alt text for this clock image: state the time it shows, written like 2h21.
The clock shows 11h55
